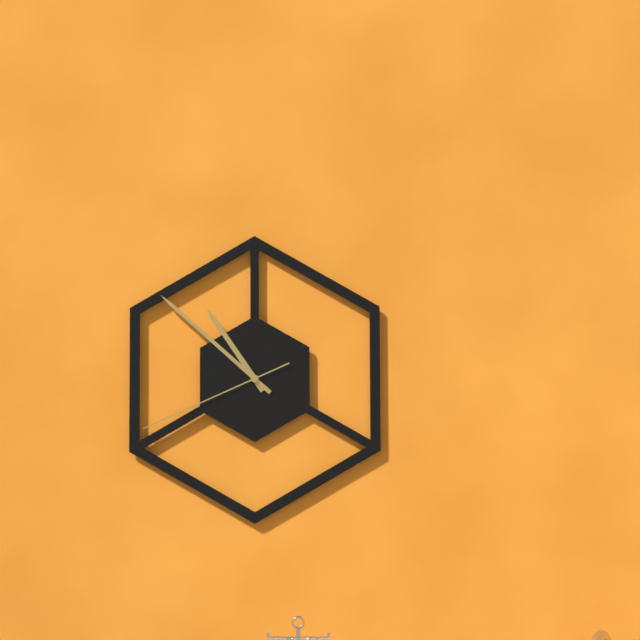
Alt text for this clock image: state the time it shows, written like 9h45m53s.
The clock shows 10h52m41s
